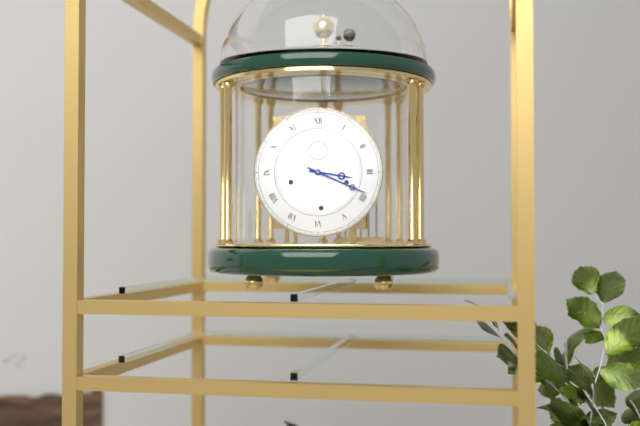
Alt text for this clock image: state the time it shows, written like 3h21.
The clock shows 3h19
